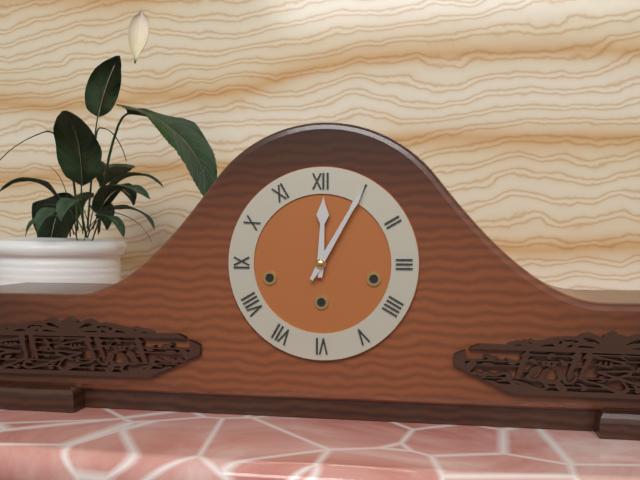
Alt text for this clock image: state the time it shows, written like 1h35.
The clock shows 12h05
